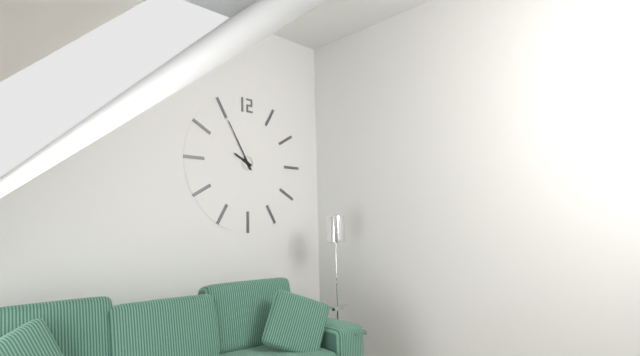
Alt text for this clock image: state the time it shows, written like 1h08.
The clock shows 9h55
